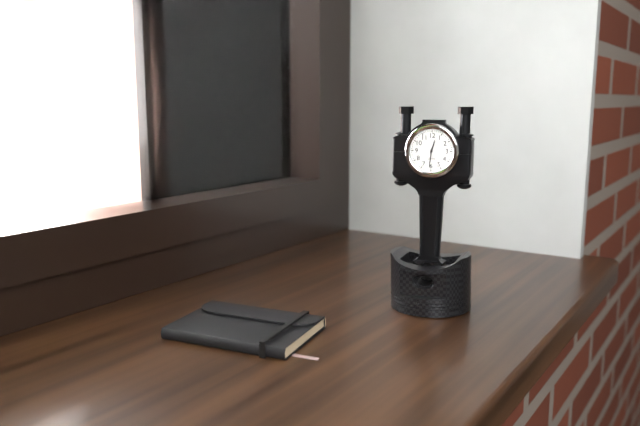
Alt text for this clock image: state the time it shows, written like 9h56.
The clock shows 12h31
